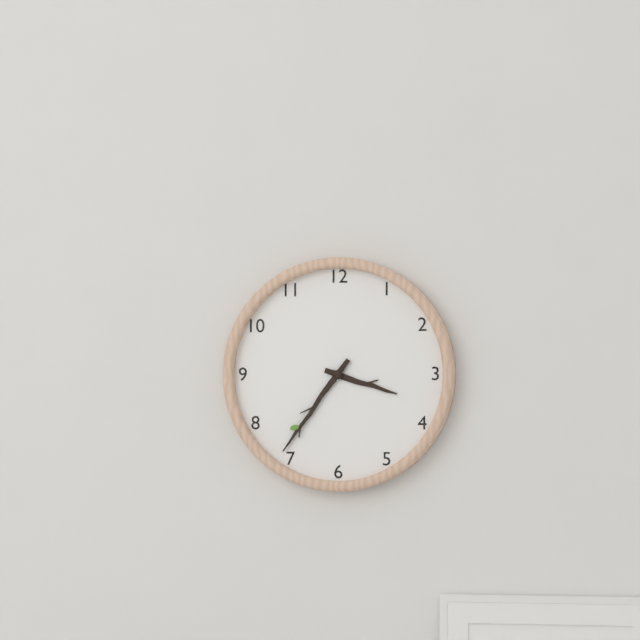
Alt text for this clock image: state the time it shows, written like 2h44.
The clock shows 3h36
